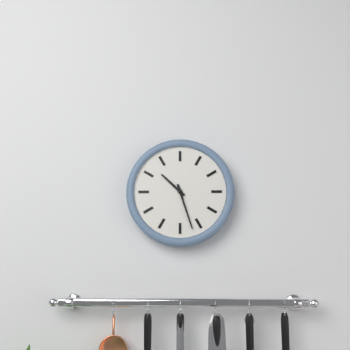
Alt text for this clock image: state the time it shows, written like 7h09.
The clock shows 10h27
